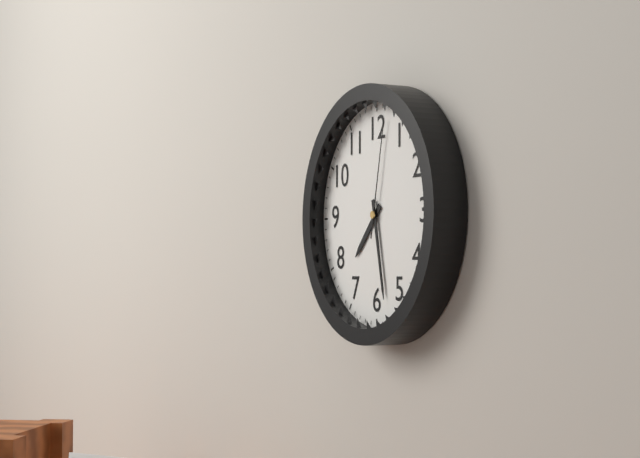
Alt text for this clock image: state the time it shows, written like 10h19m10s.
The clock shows 7h28m02s
